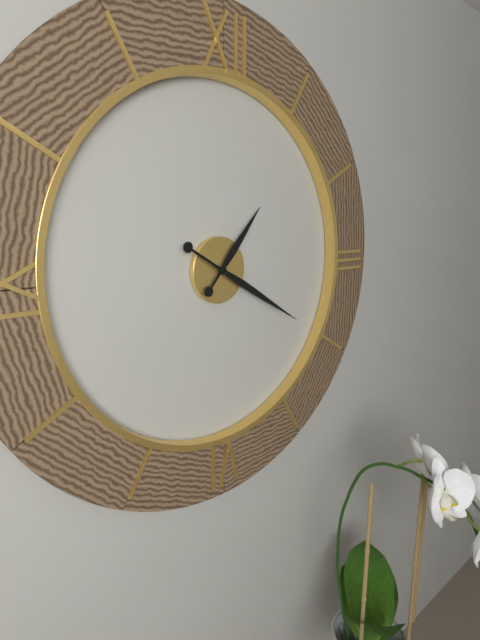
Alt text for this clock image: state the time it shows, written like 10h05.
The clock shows 1h20
